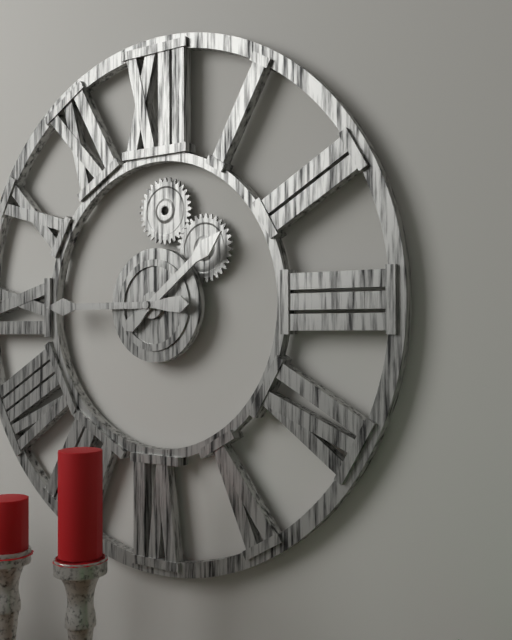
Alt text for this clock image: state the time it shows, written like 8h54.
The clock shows 1h45
